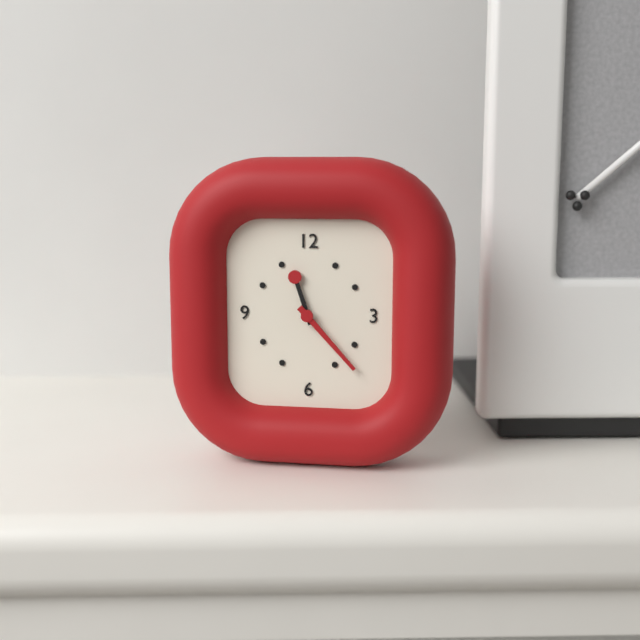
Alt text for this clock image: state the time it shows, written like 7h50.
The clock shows 11h23
